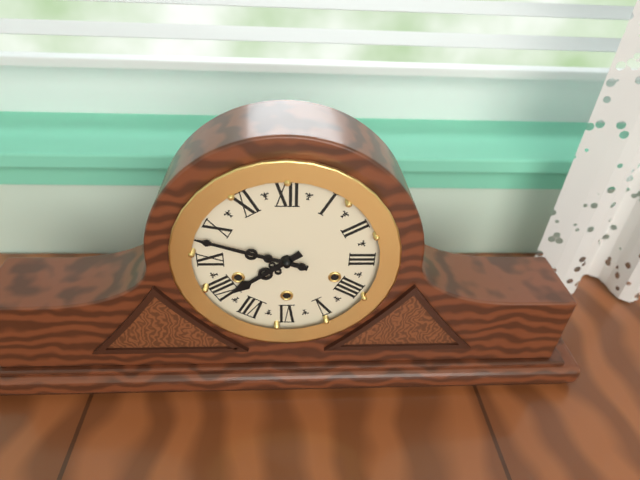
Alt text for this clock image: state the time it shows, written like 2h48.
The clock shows 7h48
